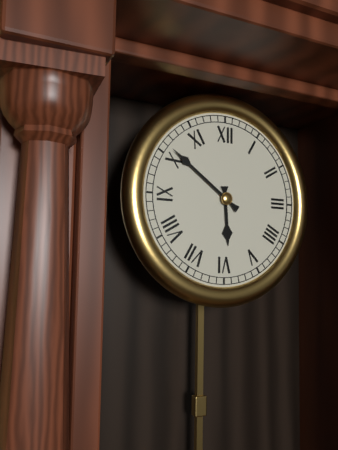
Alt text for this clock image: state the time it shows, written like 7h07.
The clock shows 5h51
